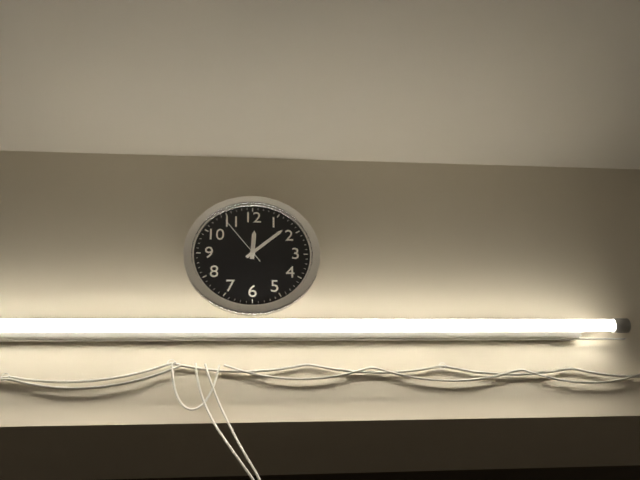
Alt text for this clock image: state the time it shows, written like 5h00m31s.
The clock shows 12h08m54s
